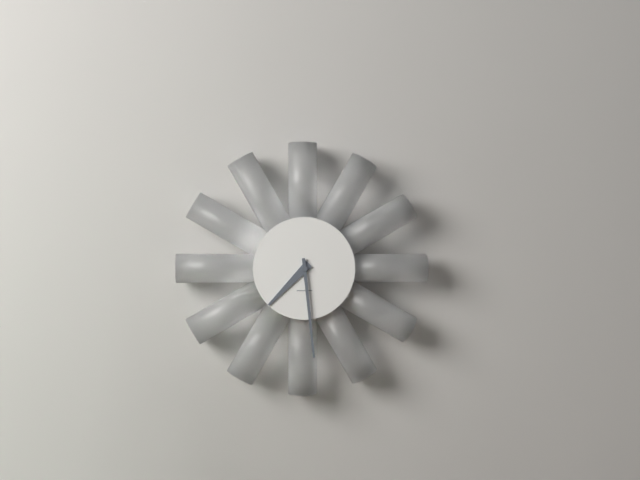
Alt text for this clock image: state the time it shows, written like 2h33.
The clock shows 7h29
